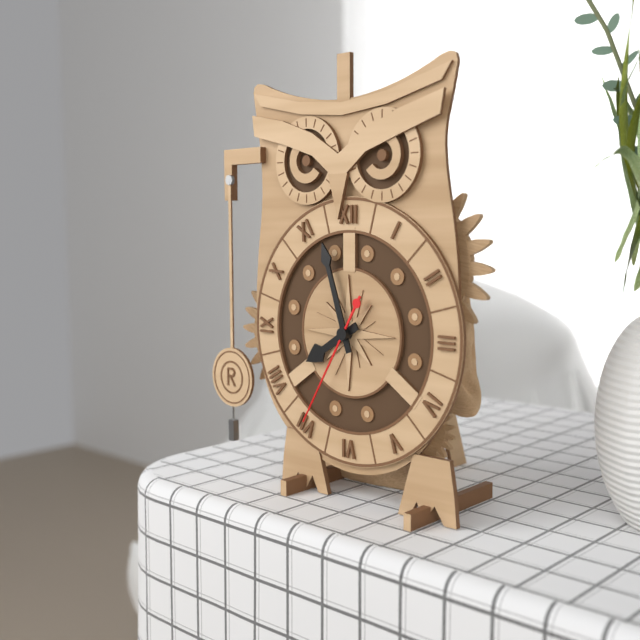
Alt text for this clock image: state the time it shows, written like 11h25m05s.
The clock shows 7h57m35s
